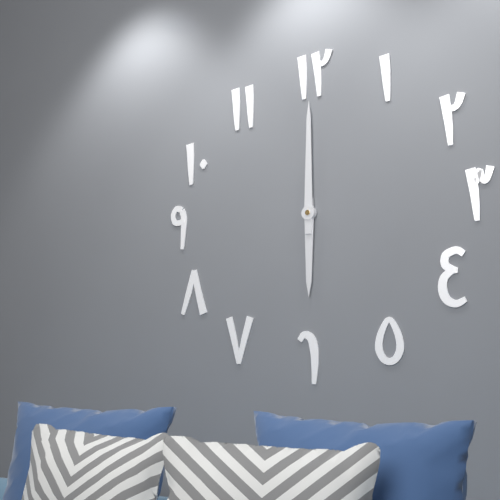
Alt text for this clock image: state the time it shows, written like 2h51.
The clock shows 6h00
